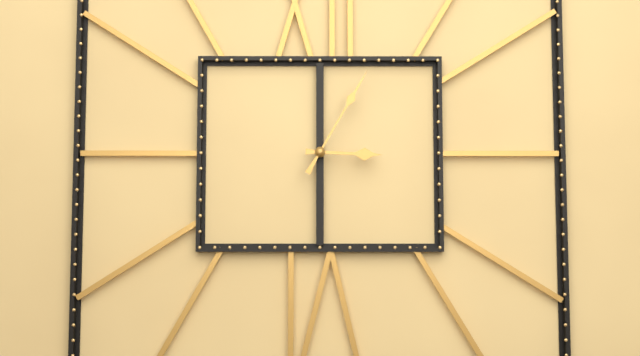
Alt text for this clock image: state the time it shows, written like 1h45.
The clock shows 3h05
